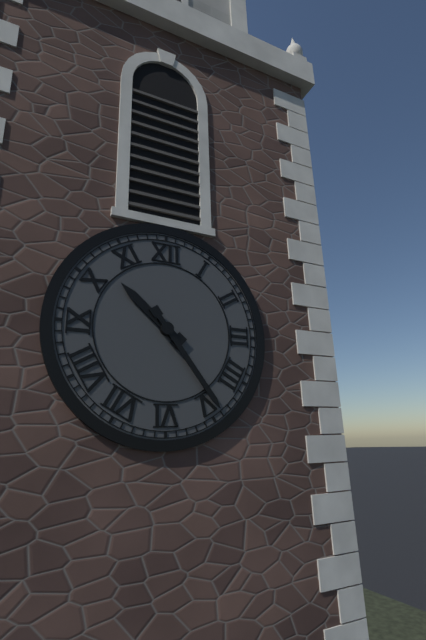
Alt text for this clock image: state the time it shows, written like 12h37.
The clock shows 10h24
